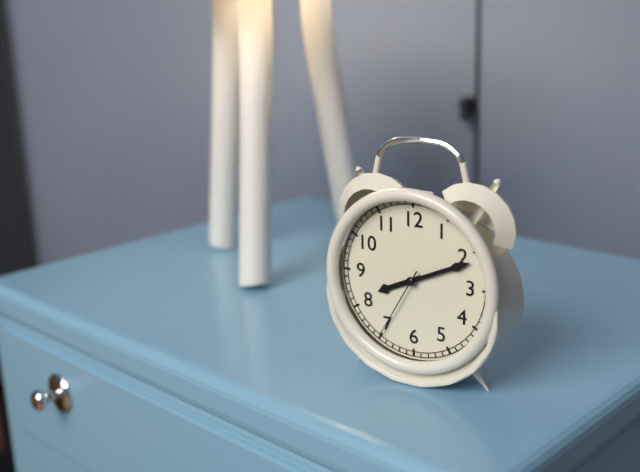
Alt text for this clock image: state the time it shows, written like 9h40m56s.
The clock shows 8h11m35s
